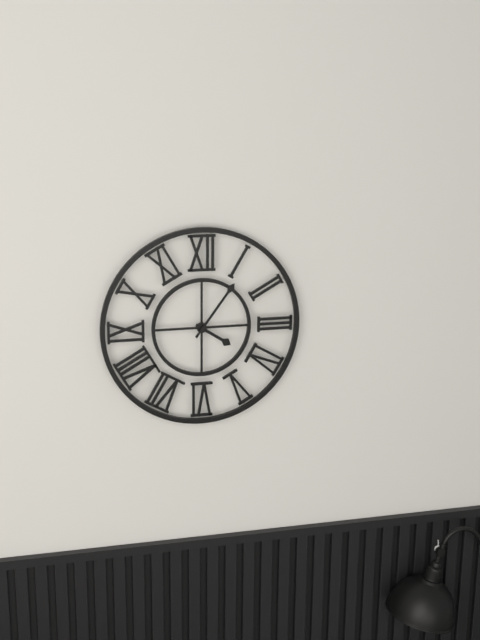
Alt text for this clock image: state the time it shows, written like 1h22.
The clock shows 4h06
